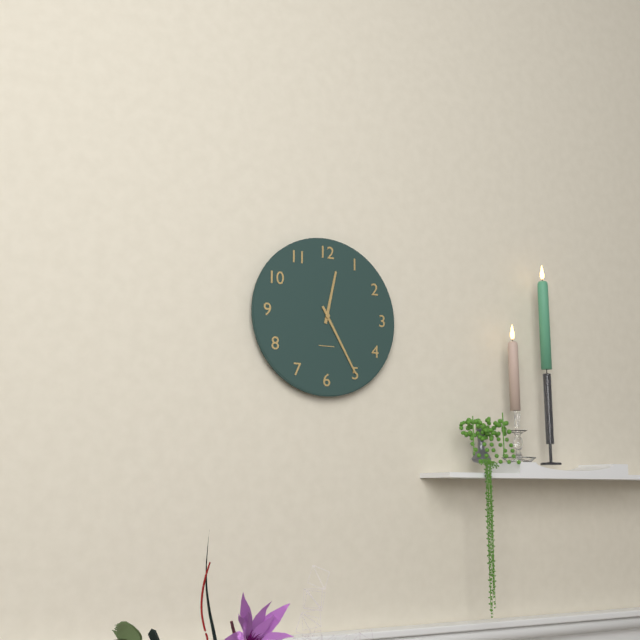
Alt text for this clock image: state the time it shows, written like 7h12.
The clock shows 12h25
